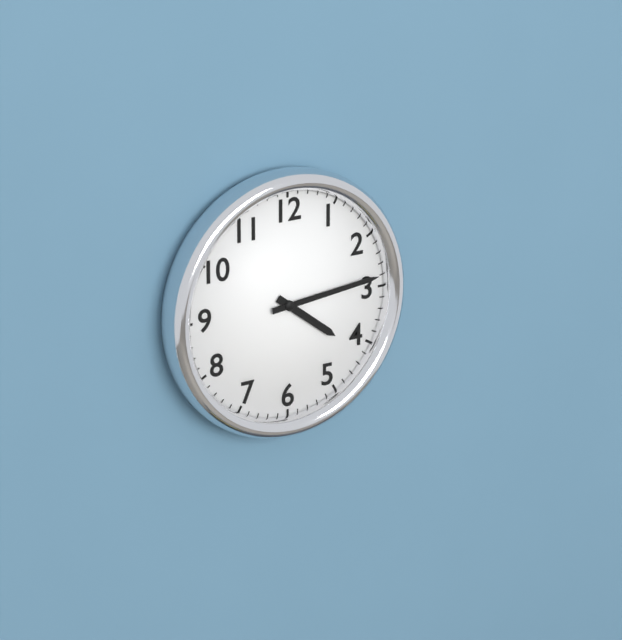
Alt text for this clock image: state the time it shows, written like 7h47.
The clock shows 4h14
